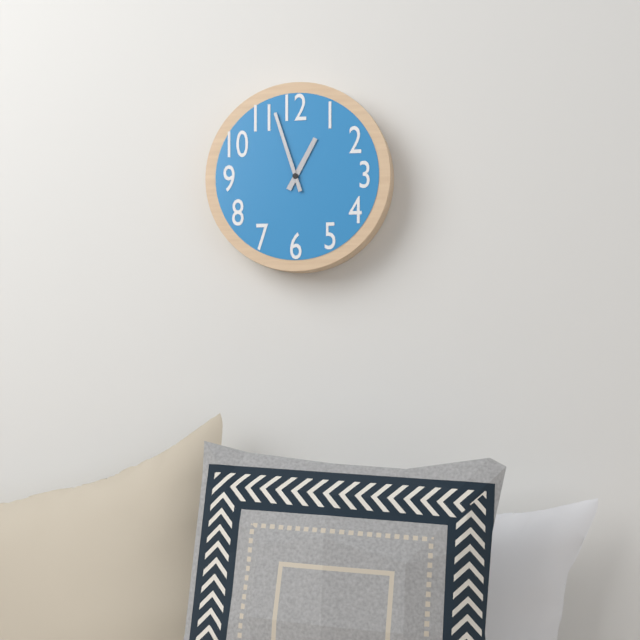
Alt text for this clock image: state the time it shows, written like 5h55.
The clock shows 12h57
